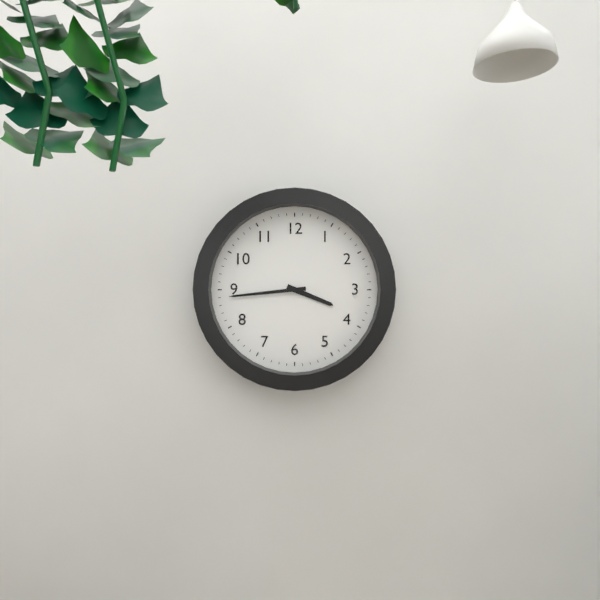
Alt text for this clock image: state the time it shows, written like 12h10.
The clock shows 3h44
